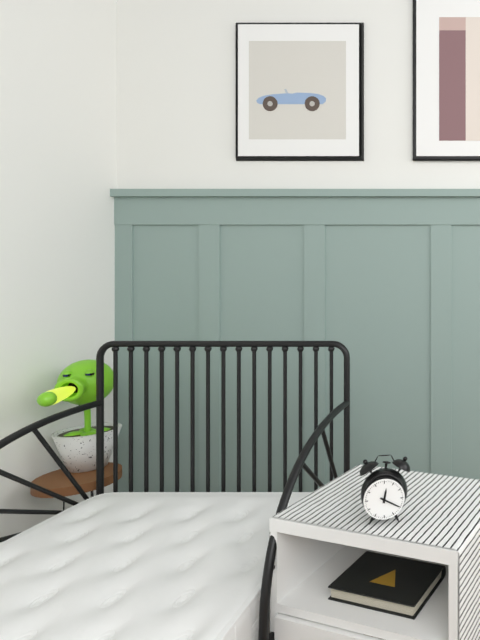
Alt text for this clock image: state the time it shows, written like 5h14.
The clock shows 12h20
